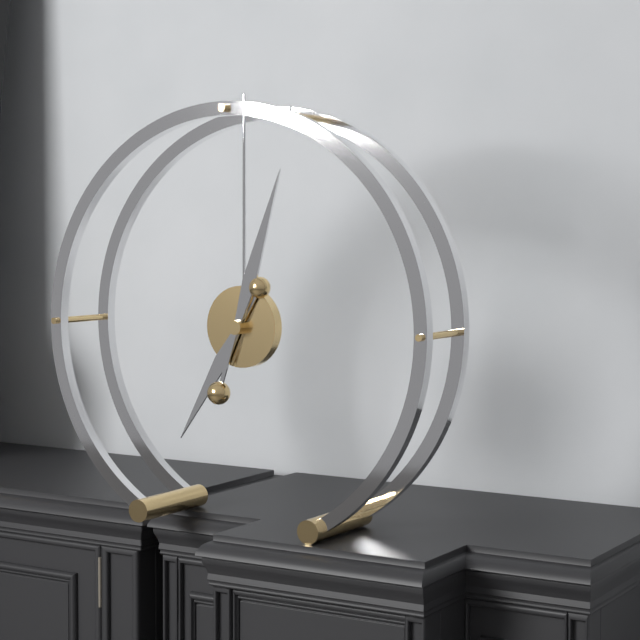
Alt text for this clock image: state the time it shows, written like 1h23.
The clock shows 7h03
